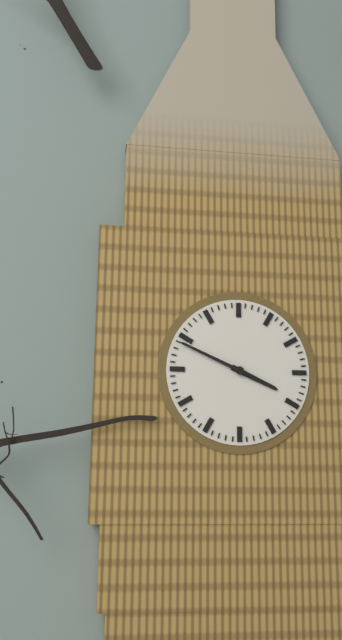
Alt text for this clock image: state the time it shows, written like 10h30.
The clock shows 3h49
